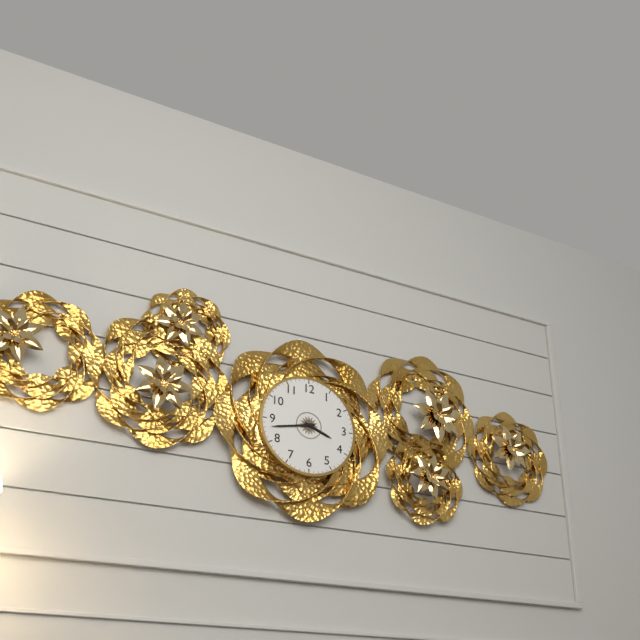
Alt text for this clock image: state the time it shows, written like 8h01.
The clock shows 3h43
